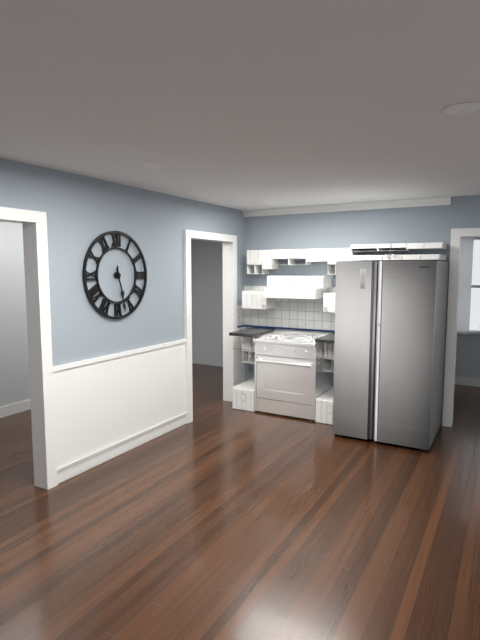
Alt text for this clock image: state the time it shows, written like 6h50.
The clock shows 5h28
